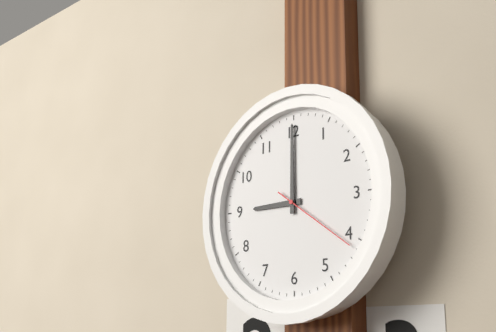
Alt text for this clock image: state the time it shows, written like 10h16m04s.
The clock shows 9h00m21s
